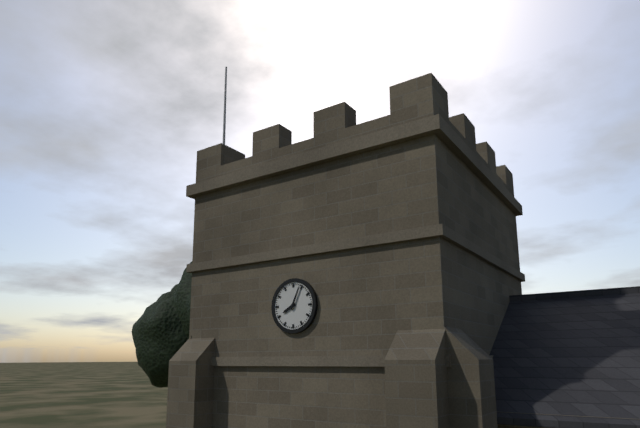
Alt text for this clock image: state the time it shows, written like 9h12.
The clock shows 8h04
